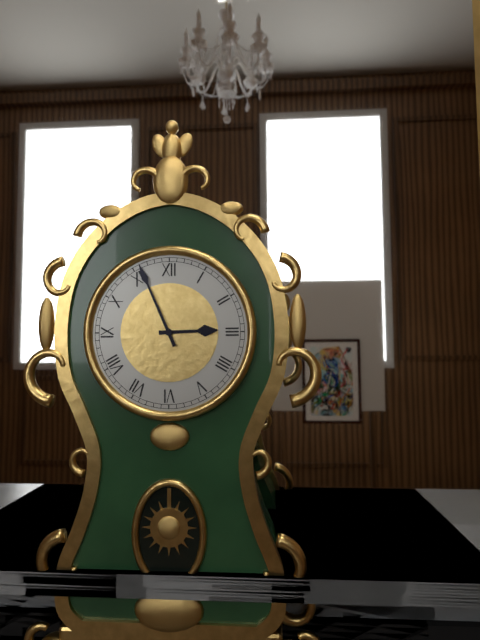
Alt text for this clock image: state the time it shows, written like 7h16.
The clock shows 2h56
